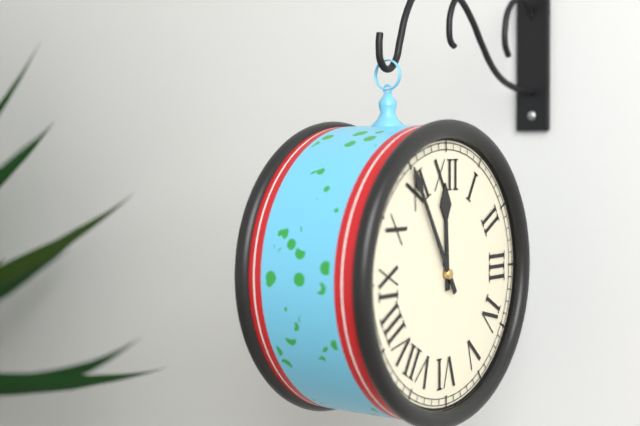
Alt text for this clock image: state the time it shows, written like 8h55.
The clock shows 11h55
